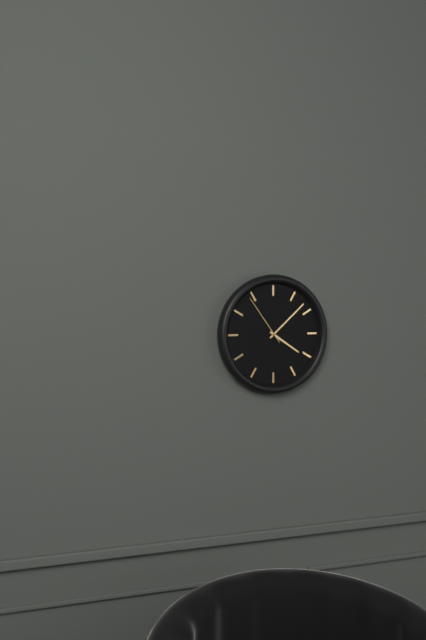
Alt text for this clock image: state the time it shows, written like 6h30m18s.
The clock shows 4h08m54s
